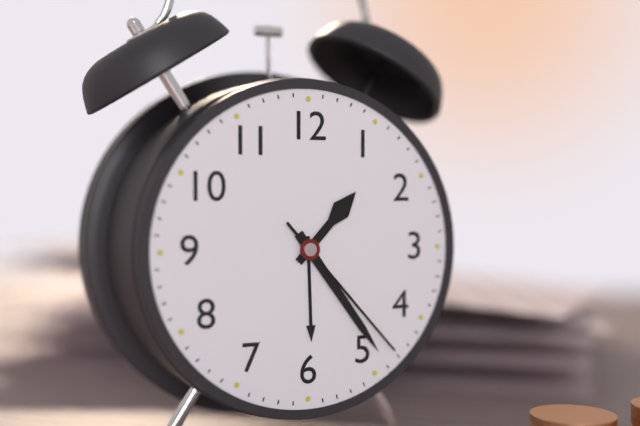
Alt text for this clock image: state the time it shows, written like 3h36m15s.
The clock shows 1h24m23s
